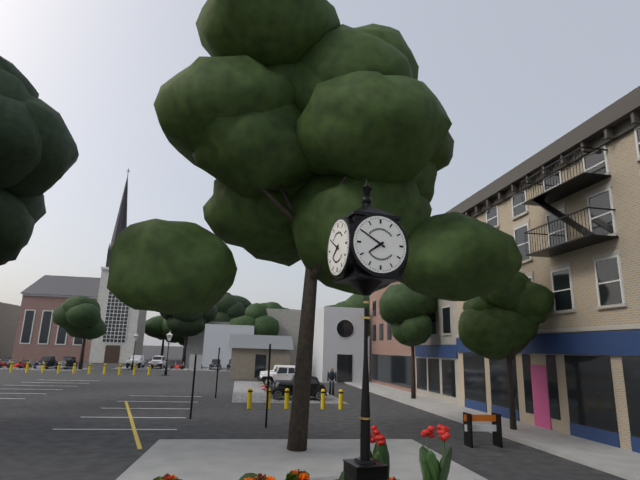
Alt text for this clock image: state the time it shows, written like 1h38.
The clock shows 7h50
